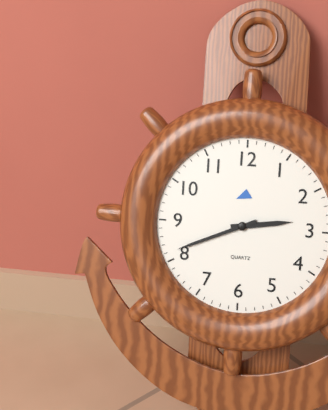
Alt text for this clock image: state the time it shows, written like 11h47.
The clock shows 2h41
